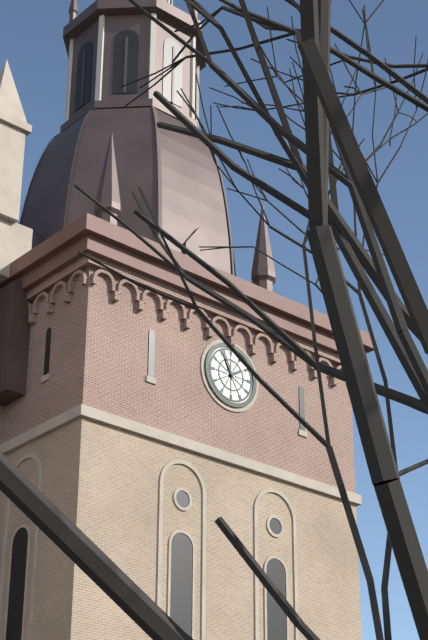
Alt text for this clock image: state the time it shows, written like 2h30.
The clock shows 1h56
